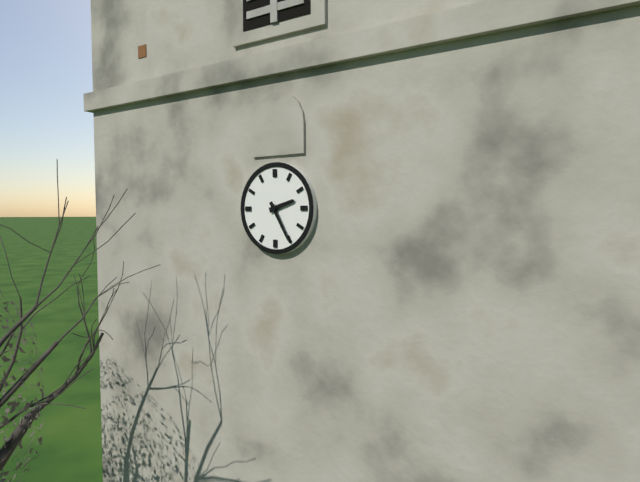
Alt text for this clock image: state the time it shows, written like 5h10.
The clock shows 2h25
